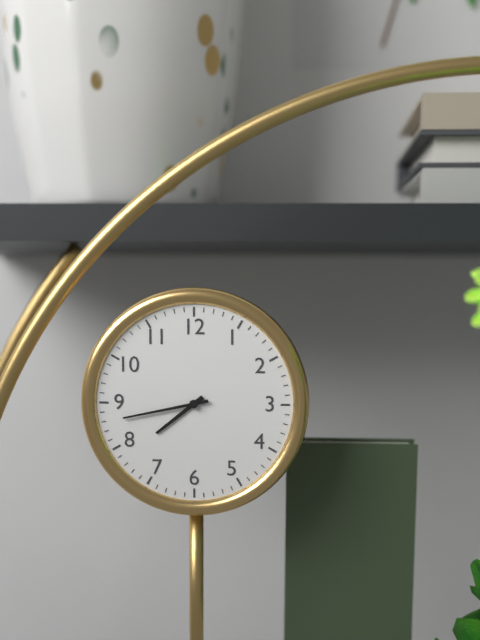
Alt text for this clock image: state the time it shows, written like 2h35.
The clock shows 7h43
